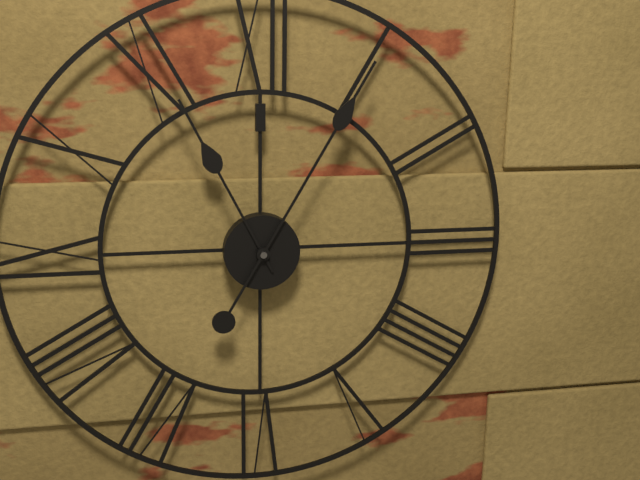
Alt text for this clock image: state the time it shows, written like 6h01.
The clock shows 11h05
